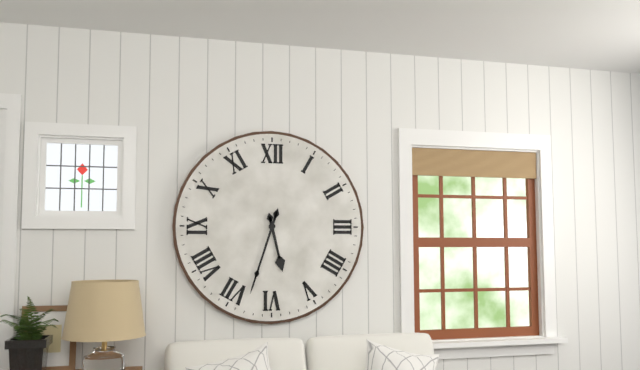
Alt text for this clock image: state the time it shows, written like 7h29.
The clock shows 5h33
